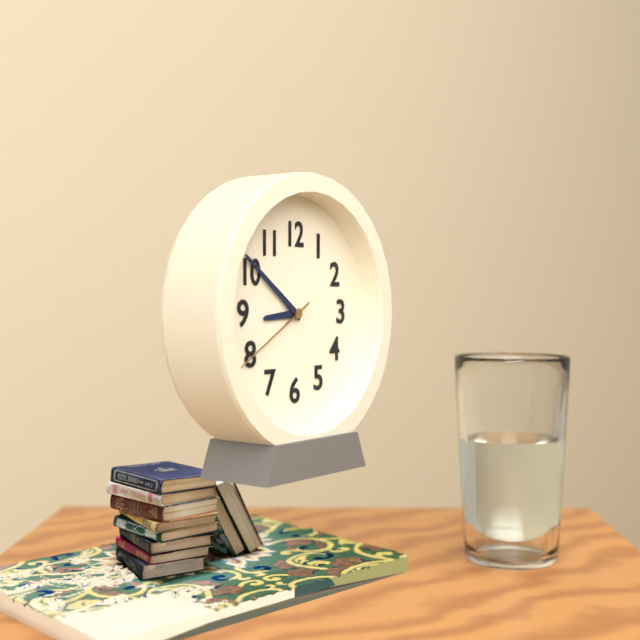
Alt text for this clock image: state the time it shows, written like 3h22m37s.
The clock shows 8h51m40s
